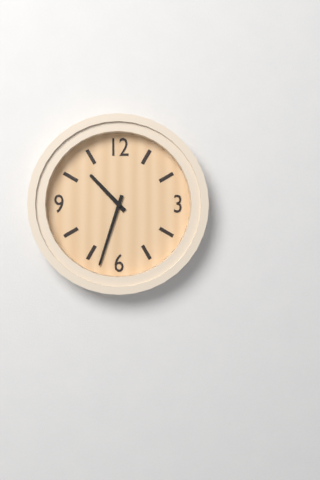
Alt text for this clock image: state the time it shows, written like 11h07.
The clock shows 10h33
